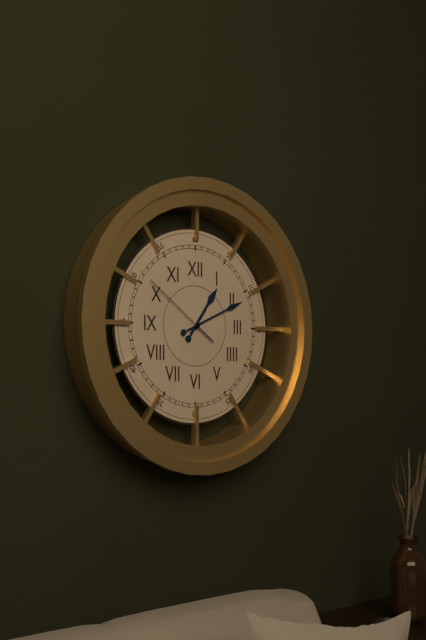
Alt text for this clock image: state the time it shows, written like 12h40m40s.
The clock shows 1h11m51s
